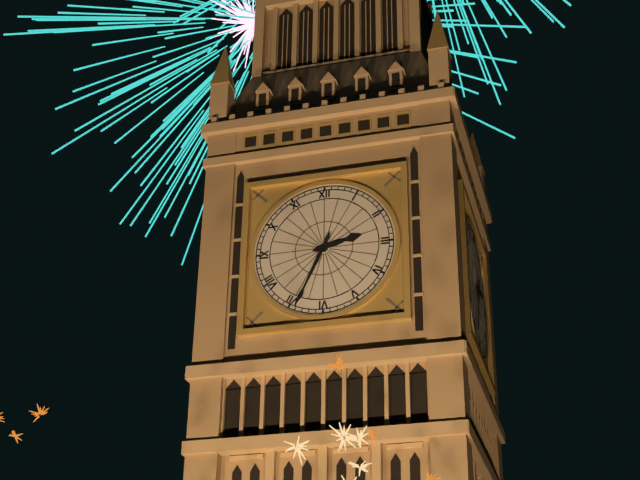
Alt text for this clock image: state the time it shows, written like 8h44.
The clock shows 2h34
